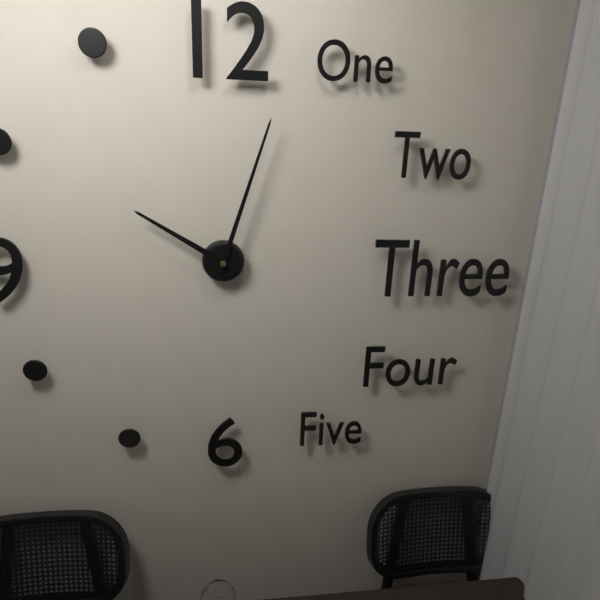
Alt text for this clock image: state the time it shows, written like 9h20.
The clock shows 10h03
